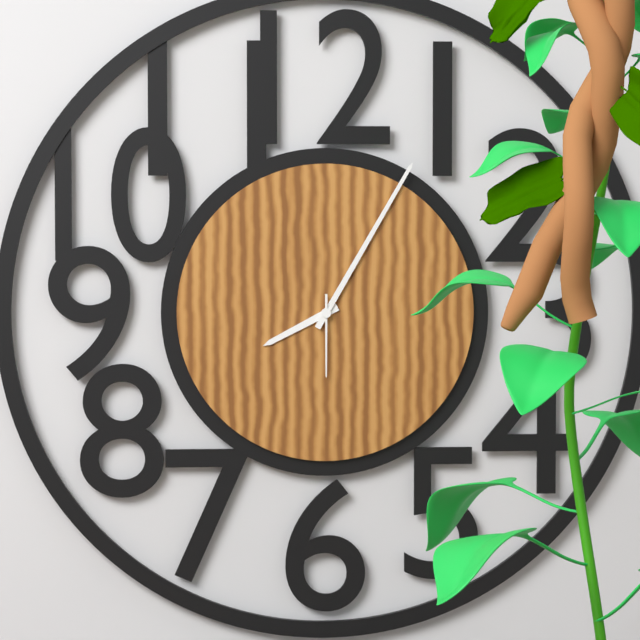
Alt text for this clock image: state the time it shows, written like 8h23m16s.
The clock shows 8h05m30s
